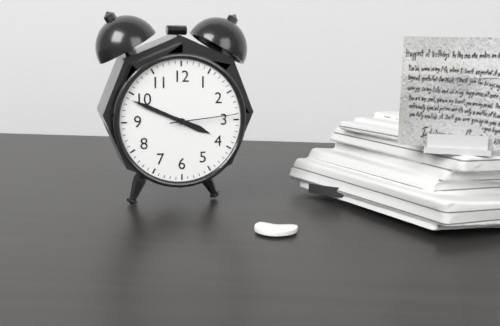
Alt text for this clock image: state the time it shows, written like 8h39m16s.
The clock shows 3h49m14s
